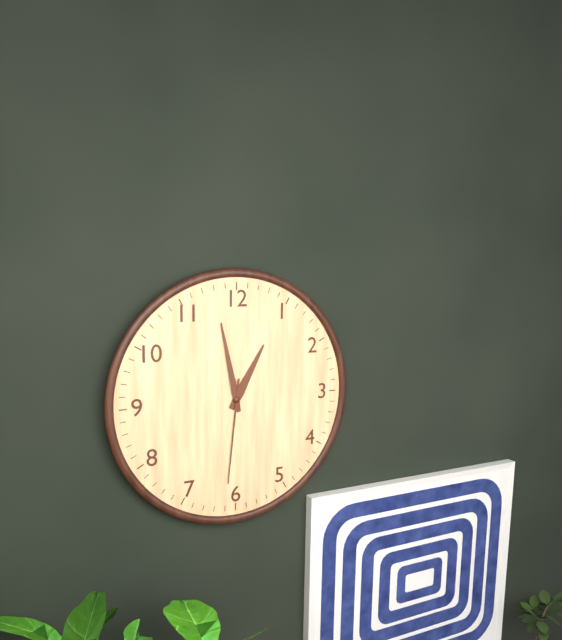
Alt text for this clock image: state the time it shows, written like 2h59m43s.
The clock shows 12h58m31s
